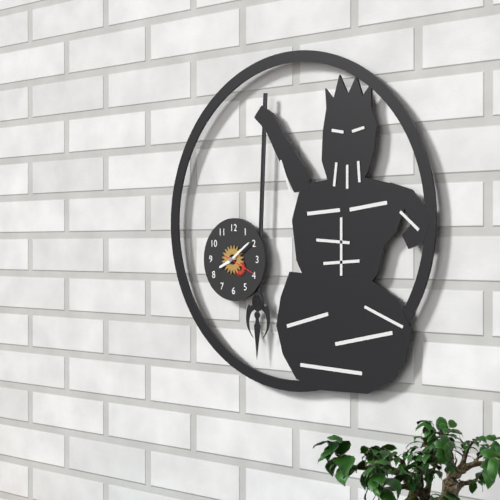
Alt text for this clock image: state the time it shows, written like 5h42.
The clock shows 8h09
